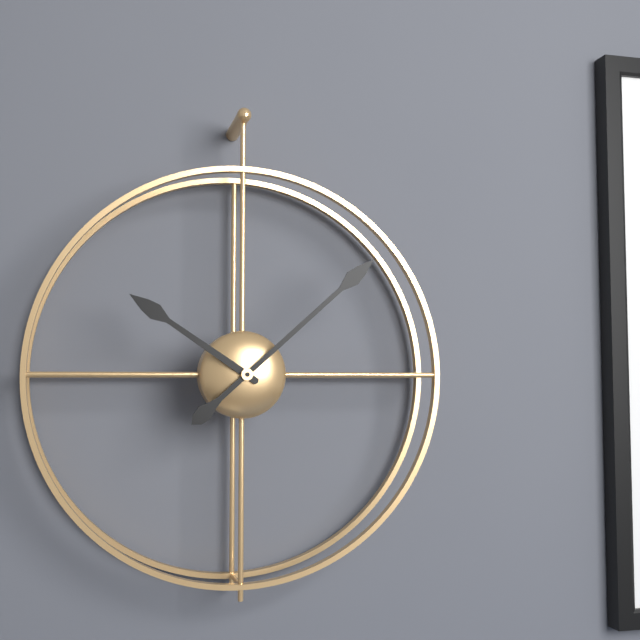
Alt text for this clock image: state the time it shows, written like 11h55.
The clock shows 10h08
